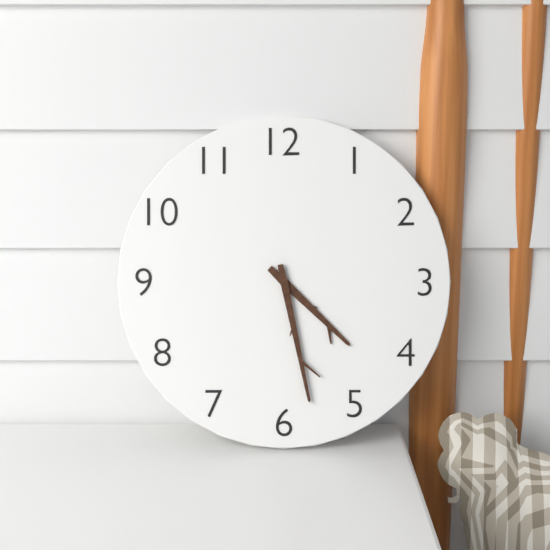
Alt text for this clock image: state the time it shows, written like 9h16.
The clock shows 4h28
